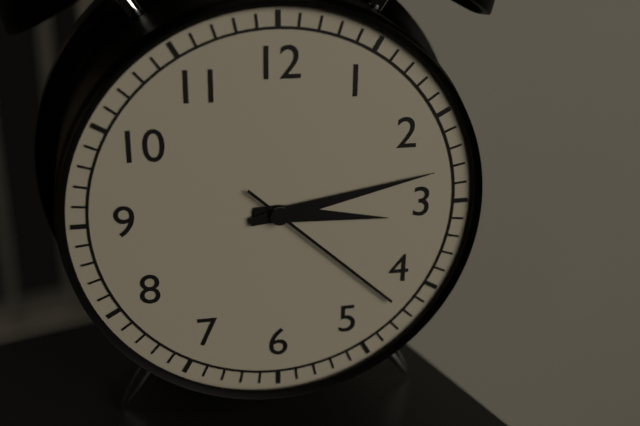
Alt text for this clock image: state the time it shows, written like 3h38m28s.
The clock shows 3h13m22s
